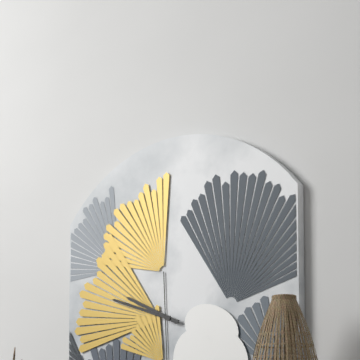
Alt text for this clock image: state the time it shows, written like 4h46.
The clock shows 9h48
